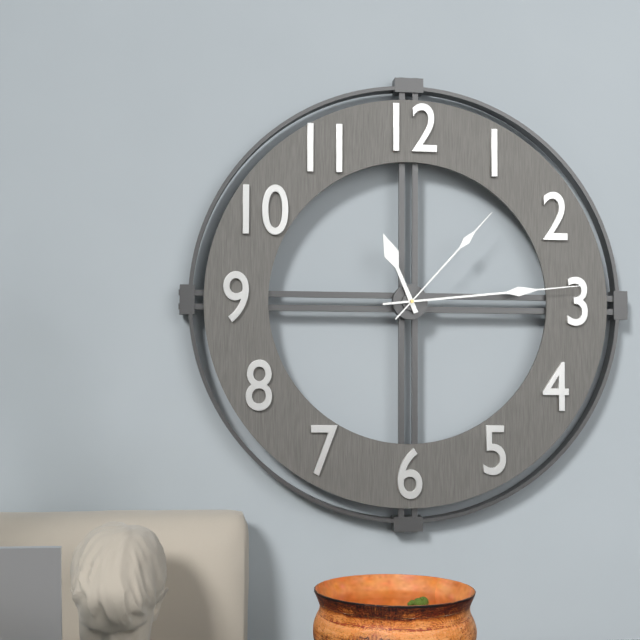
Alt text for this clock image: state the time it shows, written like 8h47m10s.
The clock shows 11h14m07s
